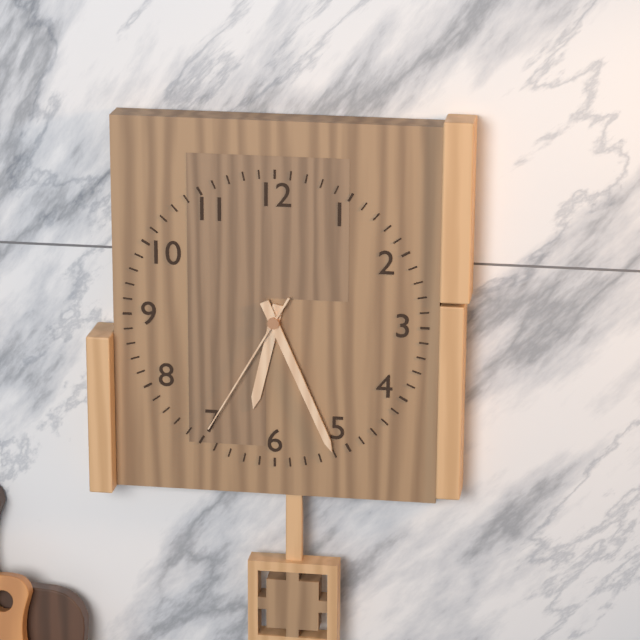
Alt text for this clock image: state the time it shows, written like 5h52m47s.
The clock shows 6h26m35s
